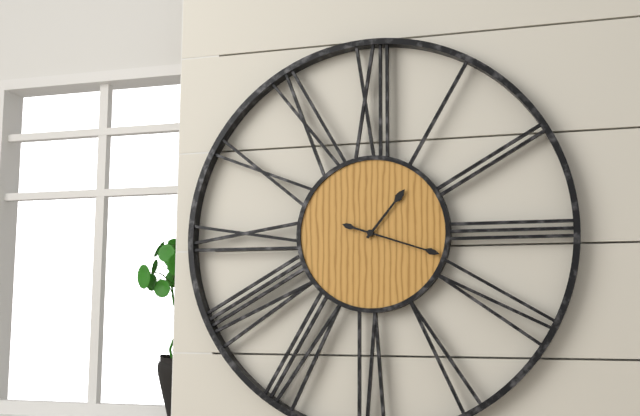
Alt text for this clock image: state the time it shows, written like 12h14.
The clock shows 1h18
